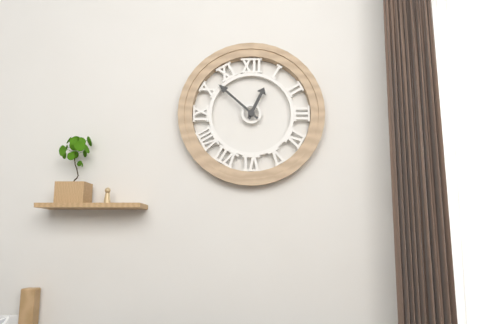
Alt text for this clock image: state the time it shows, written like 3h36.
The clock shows 12h52
